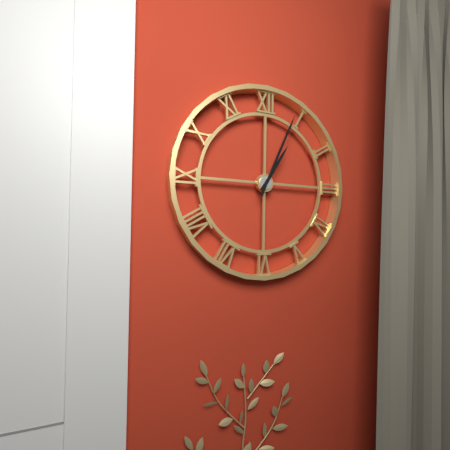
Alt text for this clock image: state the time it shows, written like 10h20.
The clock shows 1h04
